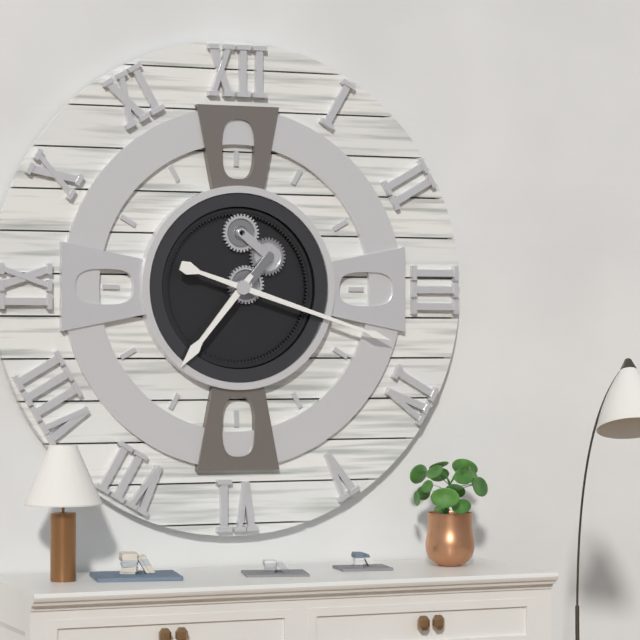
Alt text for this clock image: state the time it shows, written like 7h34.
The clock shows 7h18
